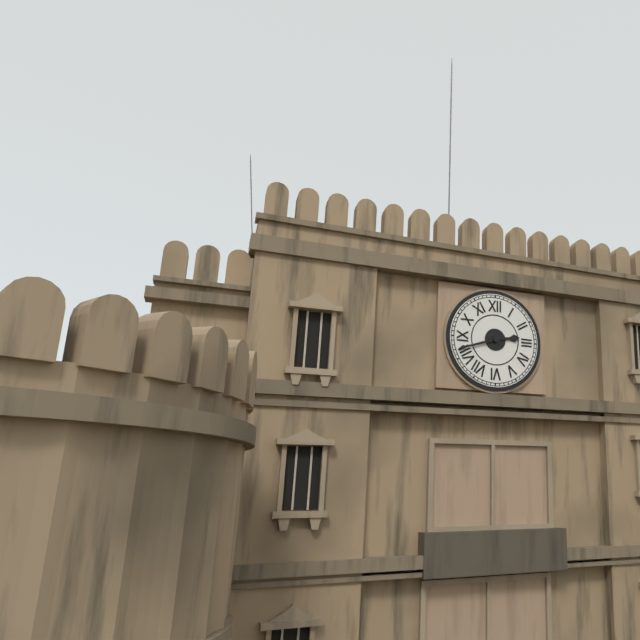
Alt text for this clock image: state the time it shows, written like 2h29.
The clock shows 2h42
